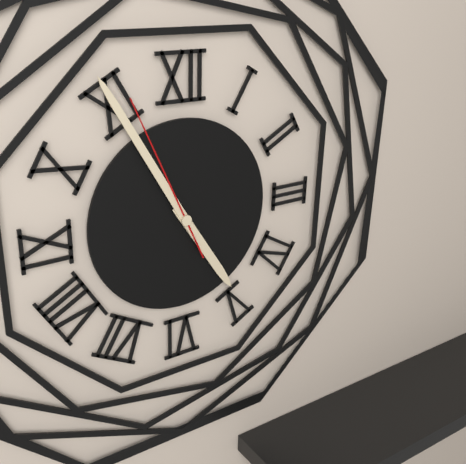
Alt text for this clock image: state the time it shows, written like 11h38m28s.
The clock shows 4h55m56s
